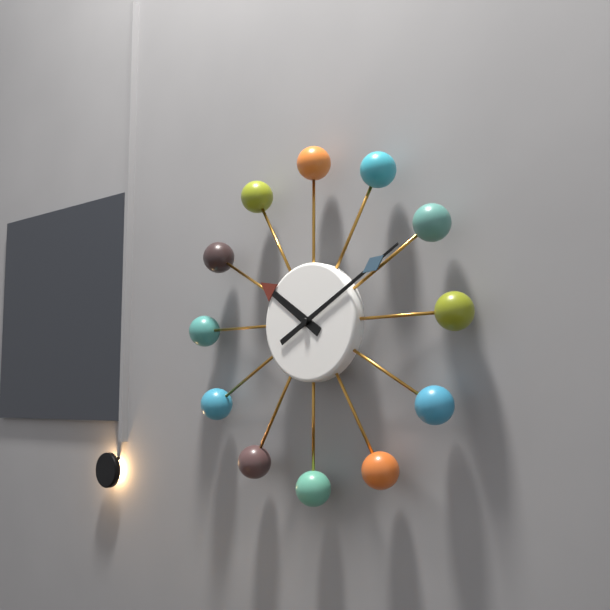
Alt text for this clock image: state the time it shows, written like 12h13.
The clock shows 10h10
